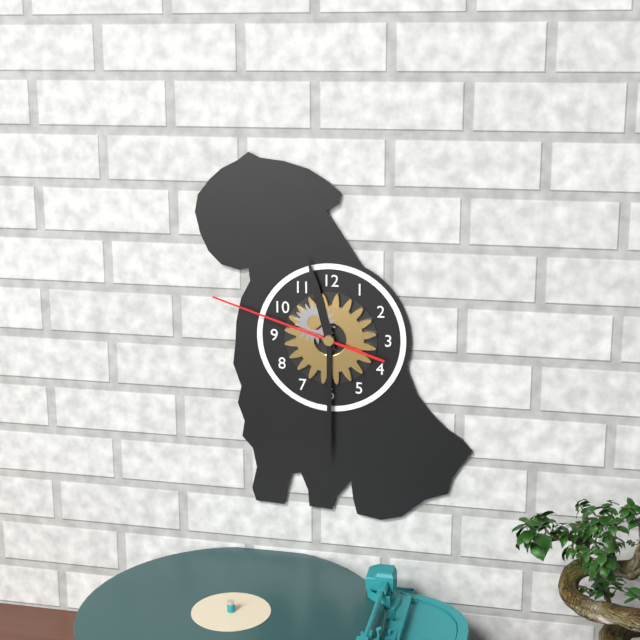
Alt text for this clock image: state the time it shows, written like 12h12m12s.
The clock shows 11h30m48s
